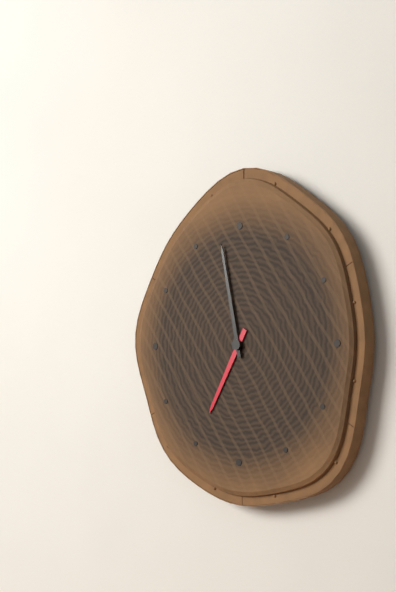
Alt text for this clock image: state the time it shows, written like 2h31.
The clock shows 6h58
